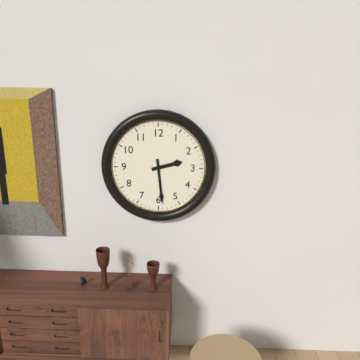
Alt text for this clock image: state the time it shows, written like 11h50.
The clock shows 2h29
